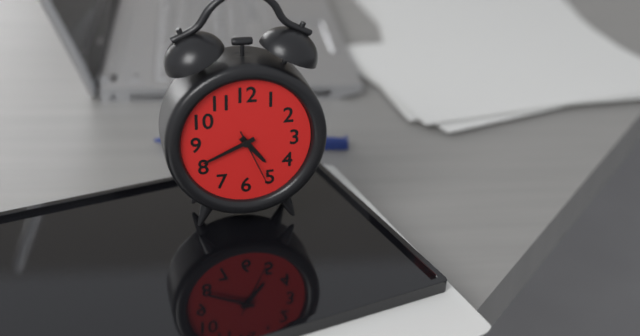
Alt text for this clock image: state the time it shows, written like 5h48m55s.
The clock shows 4h41m26s
